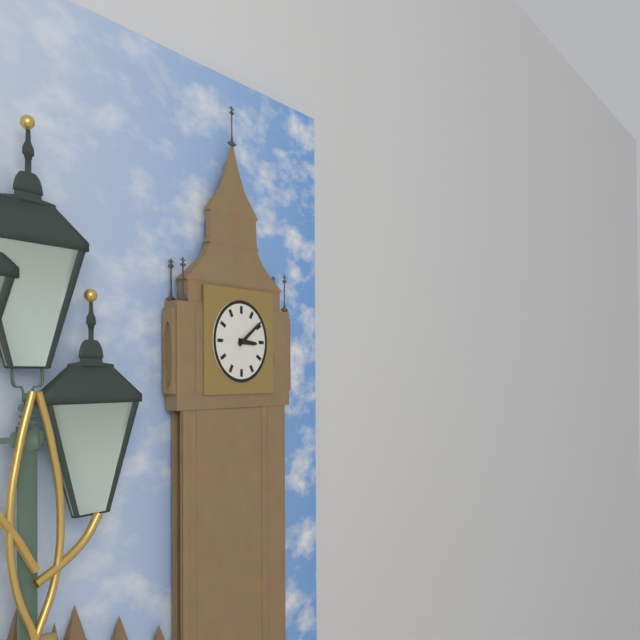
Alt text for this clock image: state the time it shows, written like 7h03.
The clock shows 3h09
